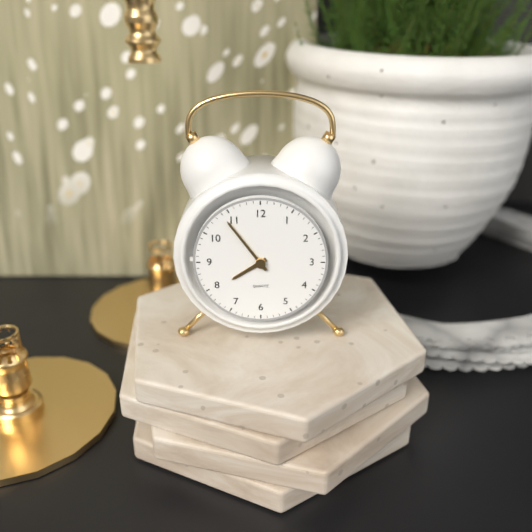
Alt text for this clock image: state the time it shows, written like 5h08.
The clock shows 7h54
